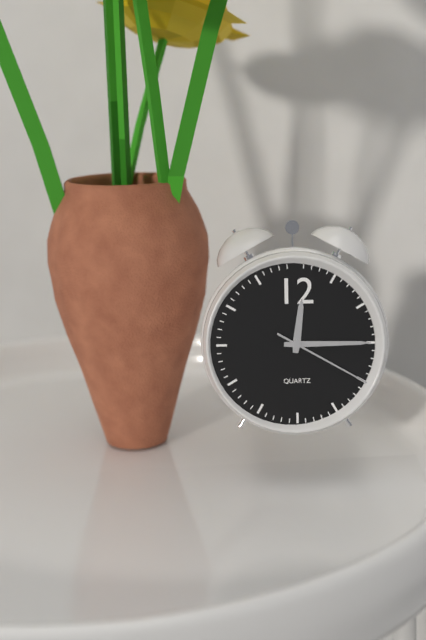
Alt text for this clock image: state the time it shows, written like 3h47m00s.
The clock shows 12h15m20s
